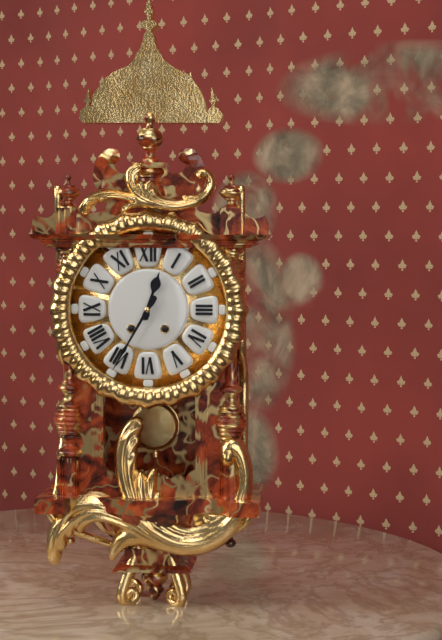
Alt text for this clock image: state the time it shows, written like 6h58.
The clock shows 12h35
